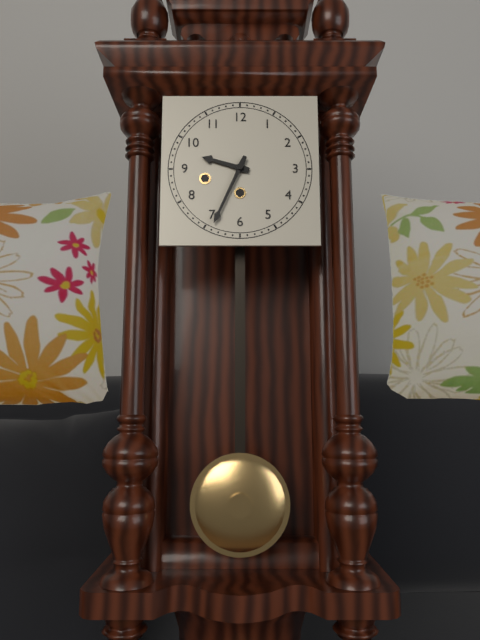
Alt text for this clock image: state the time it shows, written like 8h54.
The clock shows 9h34
